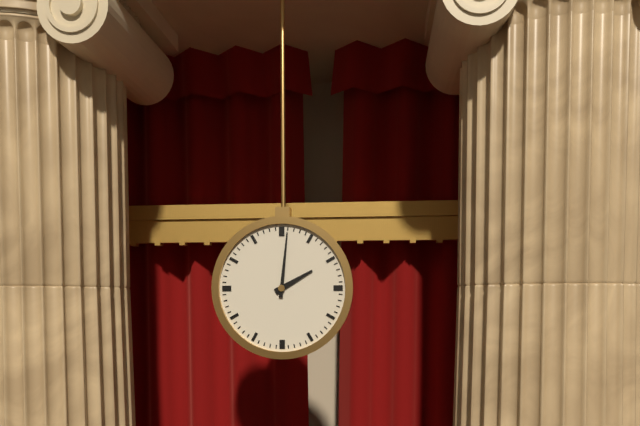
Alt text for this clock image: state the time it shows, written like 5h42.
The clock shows 2h01
